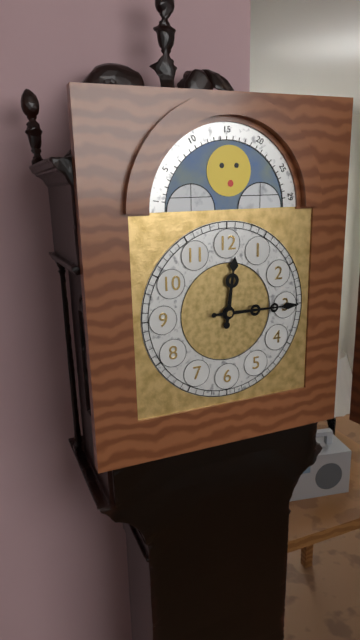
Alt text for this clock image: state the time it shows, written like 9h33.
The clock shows 12h15
